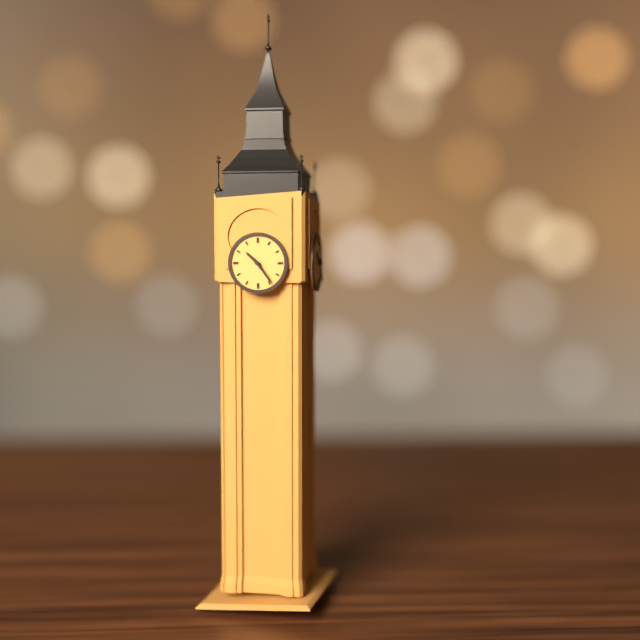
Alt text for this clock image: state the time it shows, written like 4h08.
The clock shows 10h24
